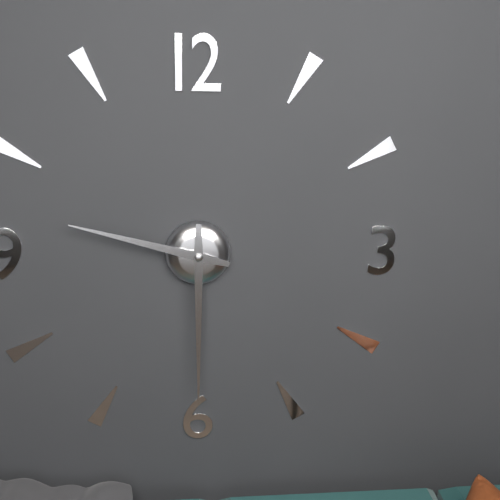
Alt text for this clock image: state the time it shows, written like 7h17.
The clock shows 9h30
